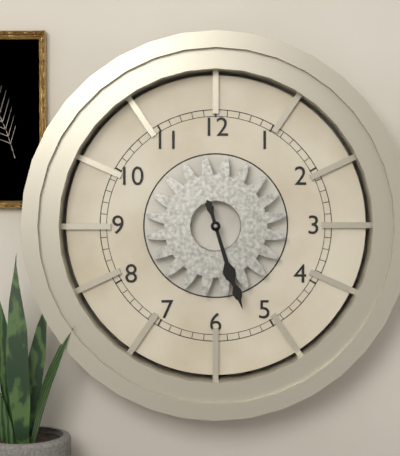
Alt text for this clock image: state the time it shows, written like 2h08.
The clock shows 5h27
